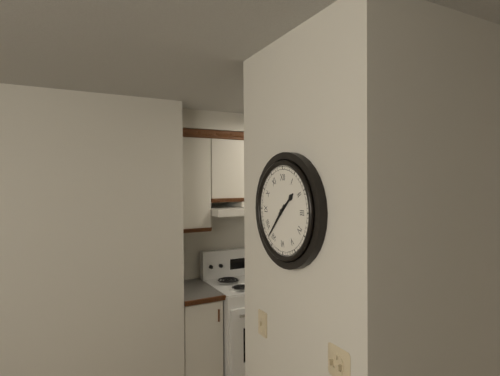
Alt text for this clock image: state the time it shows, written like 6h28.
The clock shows 1h37
